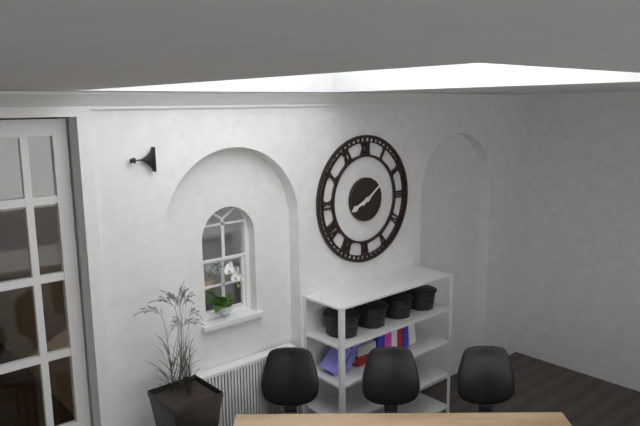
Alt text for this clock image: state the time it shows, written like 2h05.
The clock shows 8h09
